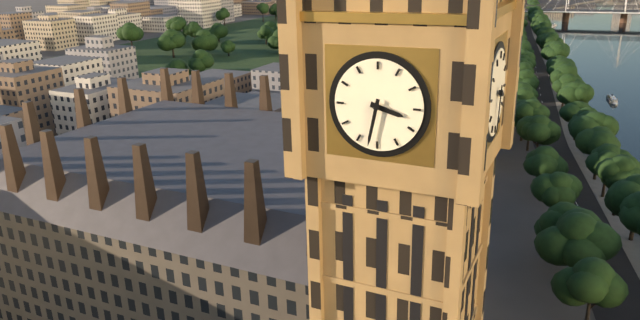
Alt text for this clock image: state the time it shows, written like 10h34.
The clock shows 3h32
